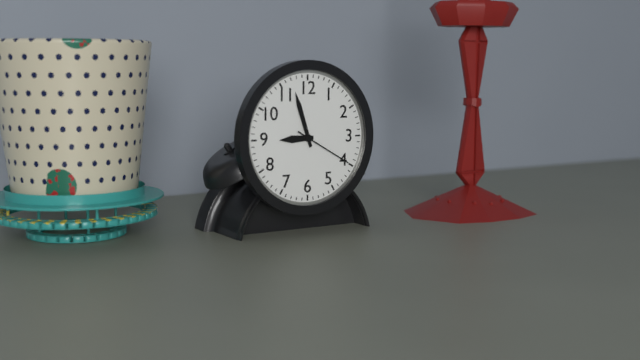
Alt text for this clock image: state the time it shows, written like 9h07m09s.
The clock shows 8h57m20s
